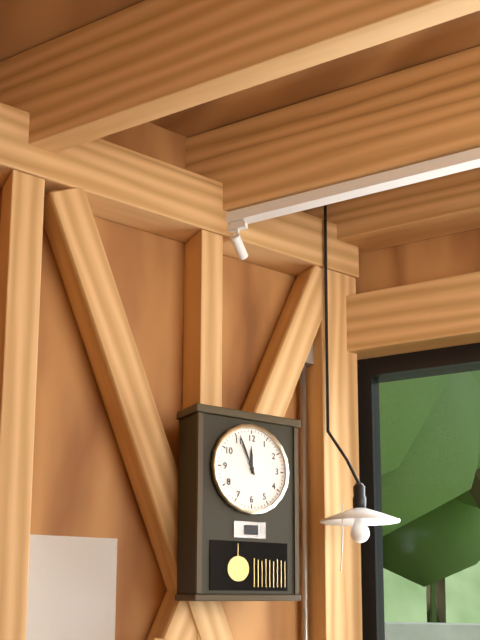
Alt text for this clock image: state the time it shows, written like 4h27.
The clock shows 11h56
